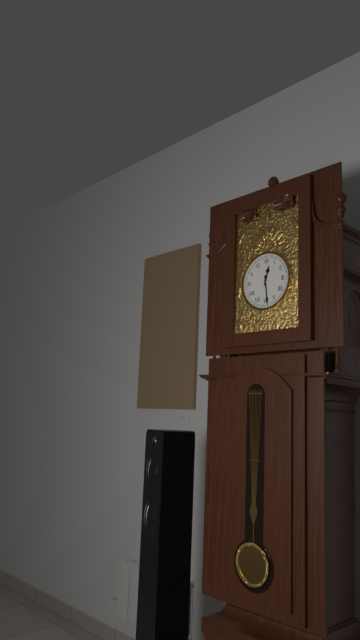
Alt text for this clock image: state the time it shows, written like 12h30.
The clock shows 12h29
